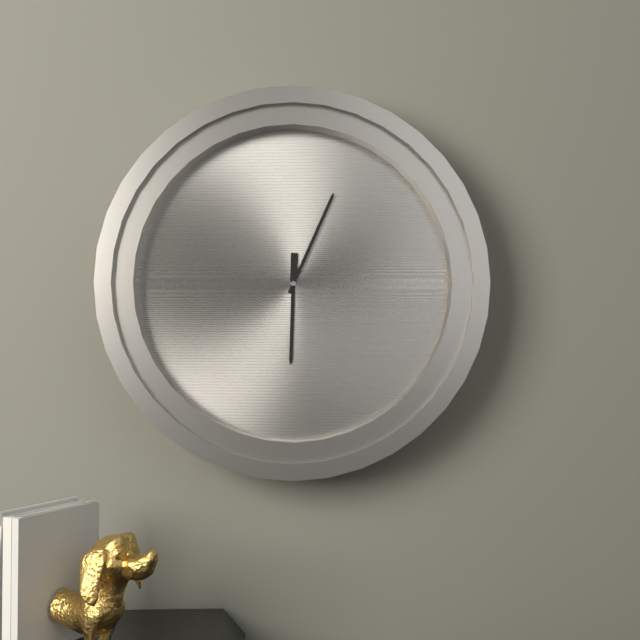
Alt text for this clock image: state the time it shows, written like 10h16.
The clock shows 6h04
